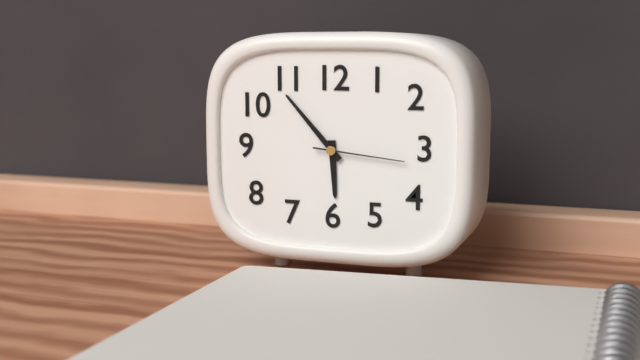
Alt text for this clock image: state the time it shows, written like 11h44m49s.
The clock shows 5h53m16s
